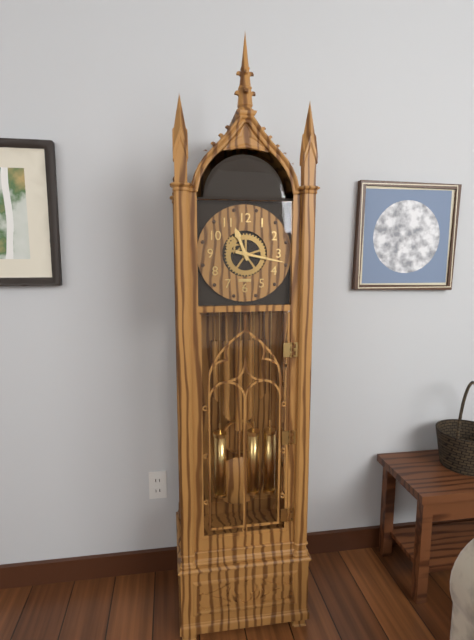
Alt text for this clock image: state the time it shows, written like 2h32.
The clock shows 11h17
